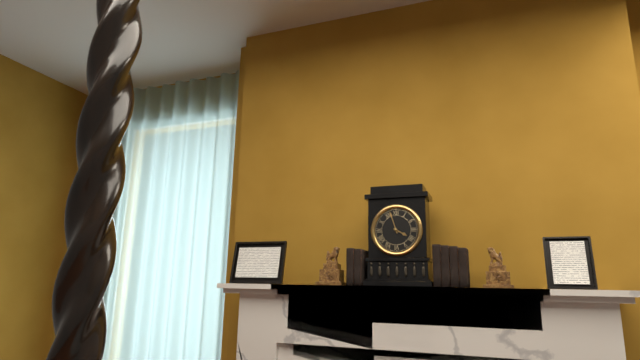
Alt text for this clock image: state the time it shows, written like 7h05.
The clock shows 3h57
